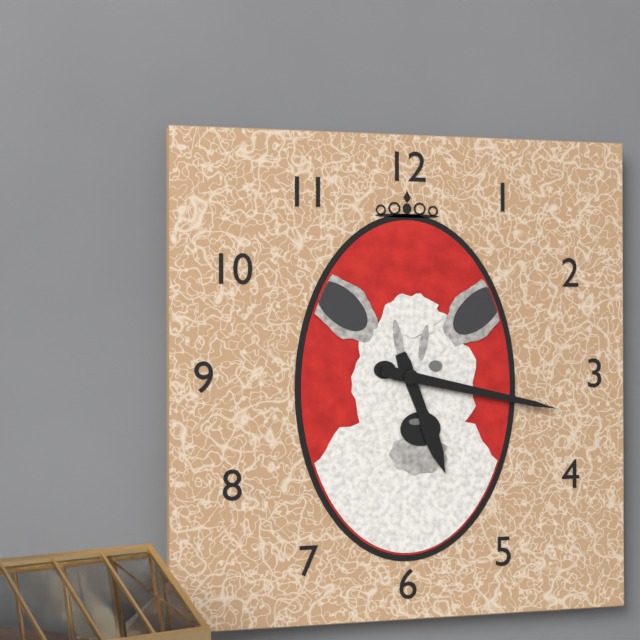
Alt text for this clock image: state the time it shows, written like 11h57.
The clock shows 5h17
